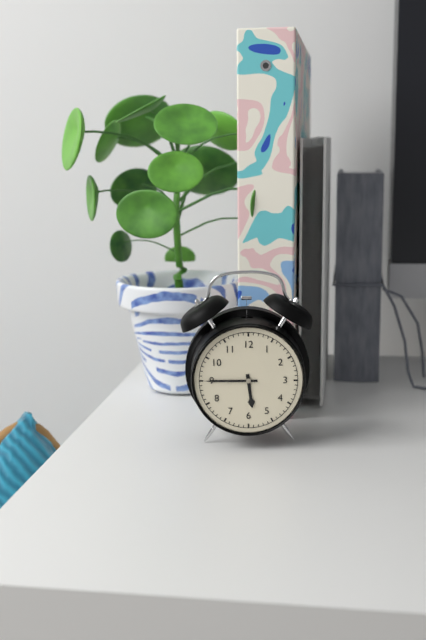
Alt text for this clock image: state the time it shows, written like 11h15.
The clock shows 5h45
